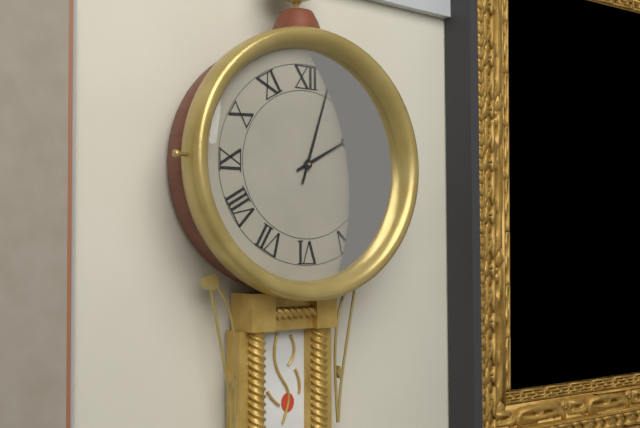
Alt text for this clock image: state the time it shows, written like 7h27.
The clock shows 2h03
